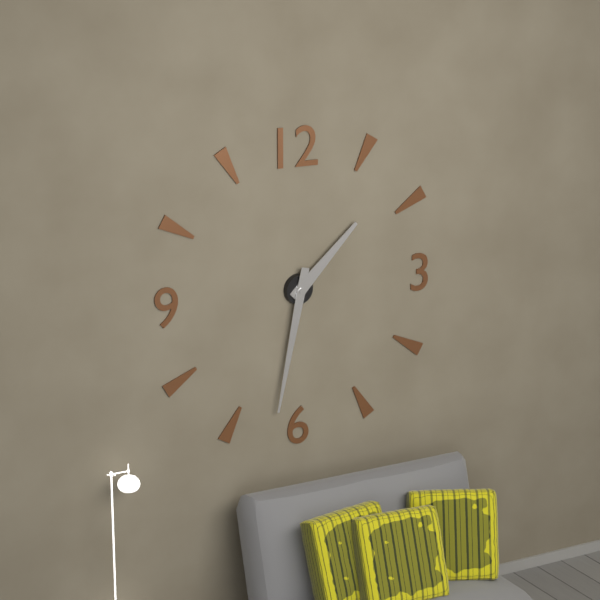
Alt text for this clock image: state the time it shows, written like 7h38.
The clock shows 1h32
